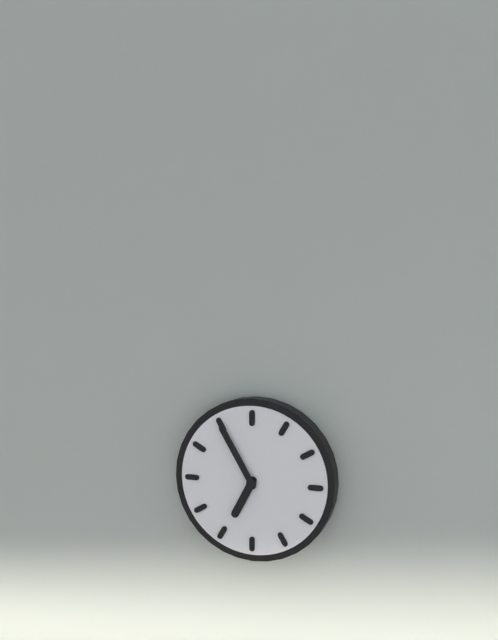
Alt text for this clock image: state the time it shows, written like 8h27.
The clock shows 6h55
